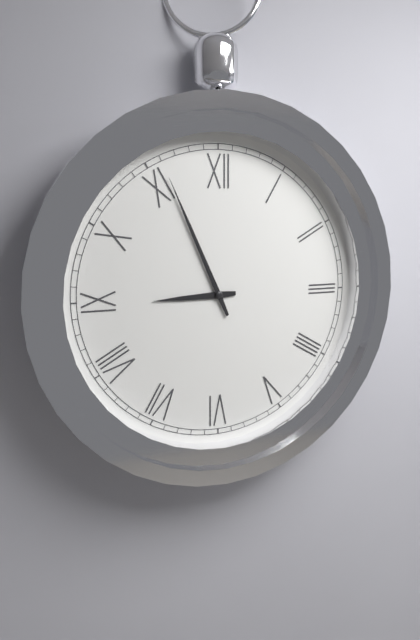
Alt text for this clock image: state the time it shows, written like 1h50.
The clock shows 8h56
